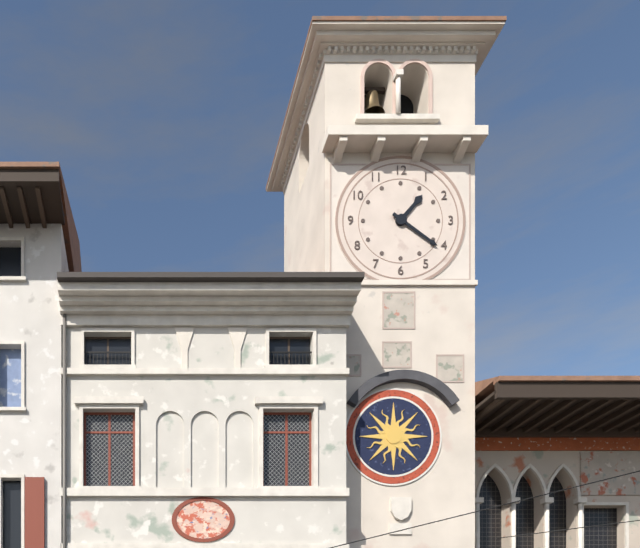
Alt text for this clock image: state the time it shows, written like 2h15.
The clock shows 1h21
